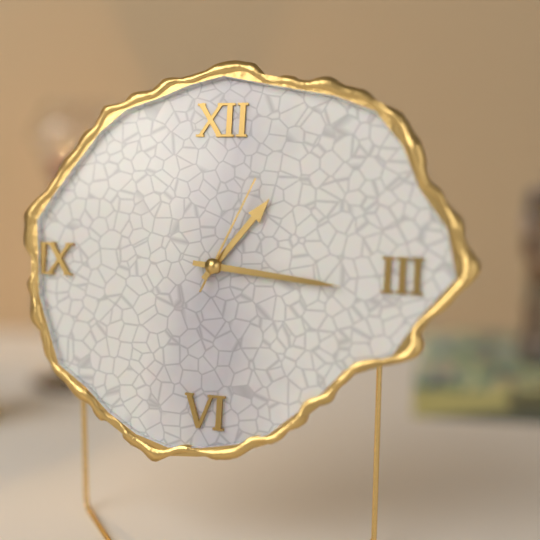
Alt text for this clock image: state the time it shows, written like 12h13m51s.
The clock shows 1h16m04s
